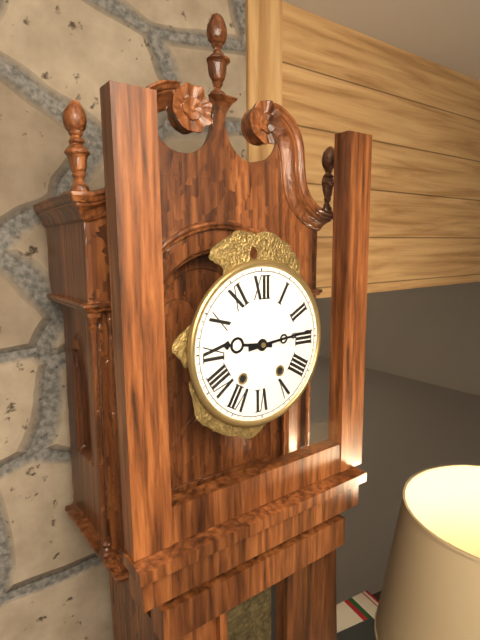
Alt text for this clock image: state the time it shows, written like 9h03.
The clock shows 9h14
